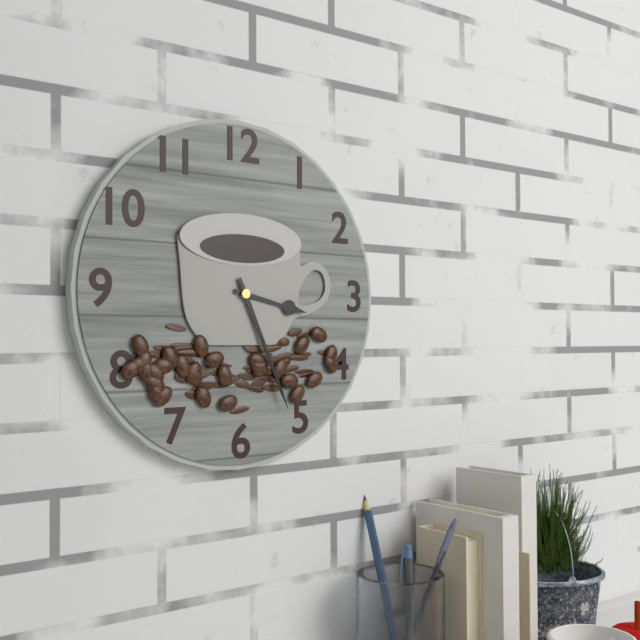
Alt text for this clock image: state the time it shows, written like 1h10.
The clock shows 3h26
